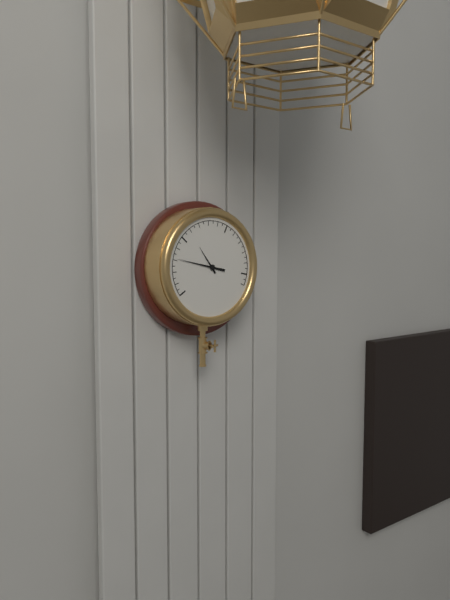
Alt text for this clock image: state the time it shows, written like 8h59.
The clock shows 10h47
